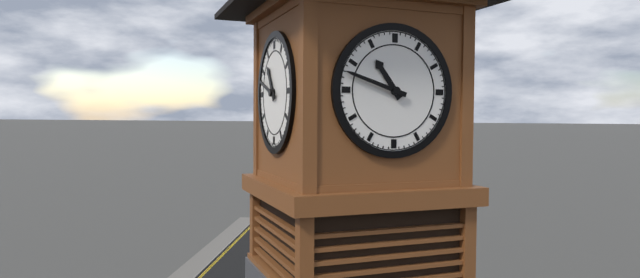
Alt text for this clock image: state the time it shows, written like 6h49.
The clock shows 10h48
